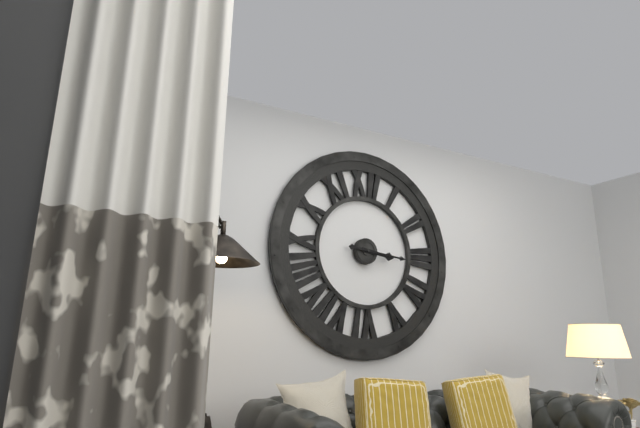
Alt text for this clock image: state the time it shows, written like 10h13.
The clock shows 3h16
